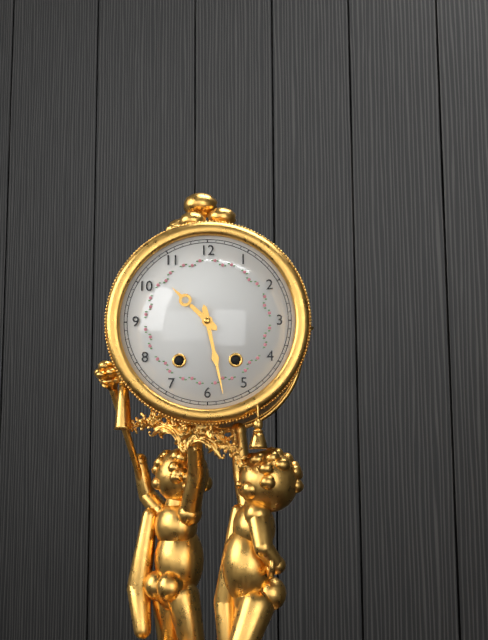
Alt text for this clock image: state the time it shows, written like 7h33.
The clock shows 10h28
